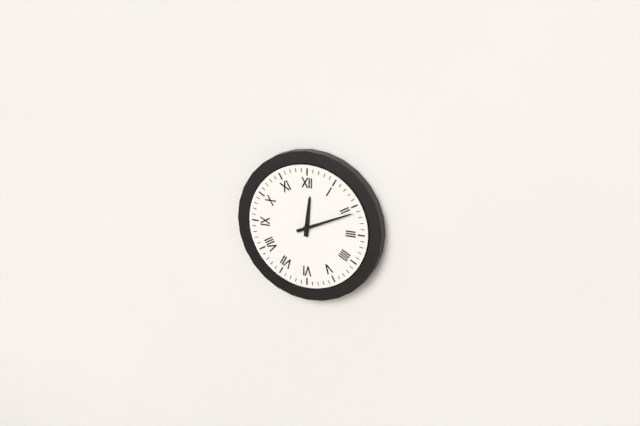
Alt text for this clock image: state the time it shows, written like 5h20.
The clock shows 12h11
